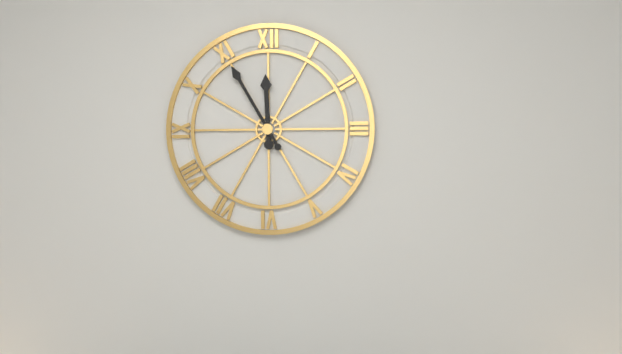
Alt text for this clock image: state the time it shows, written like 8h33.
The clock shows 11h55
